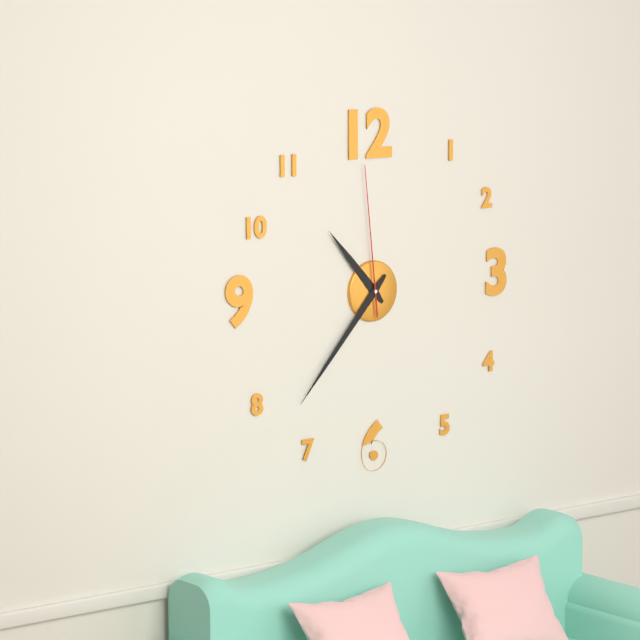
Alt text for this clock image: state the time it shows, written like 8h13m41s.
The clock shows 10h37m59s
